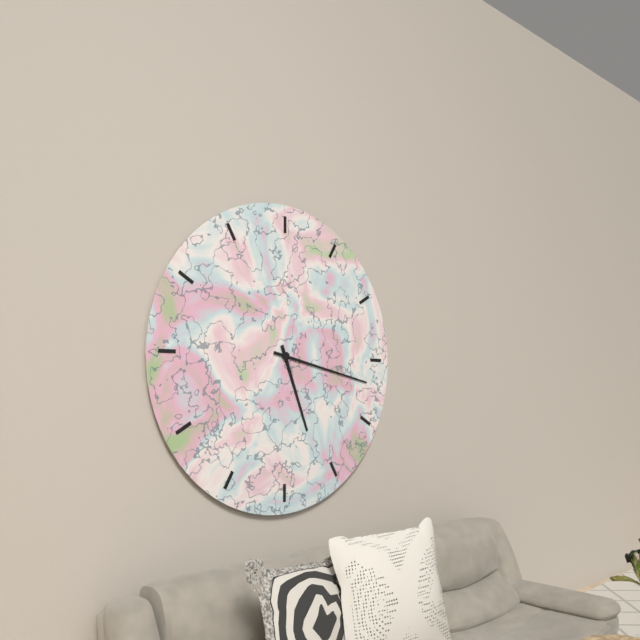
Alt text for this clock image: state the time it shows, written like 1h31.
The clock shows 5h17
